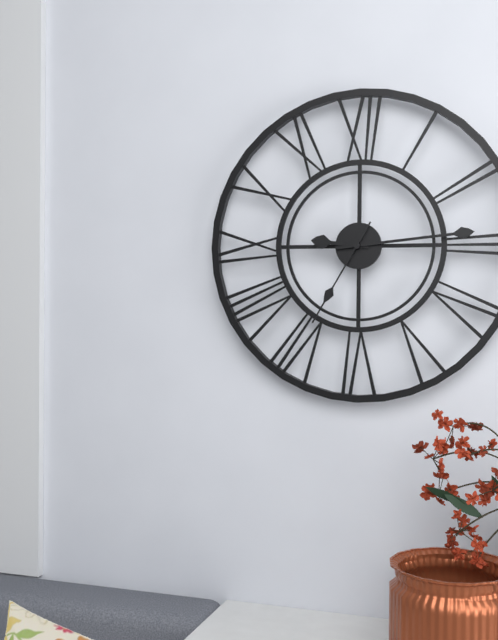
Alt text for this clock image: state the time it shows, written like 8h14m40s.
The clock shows 9h14m35s
